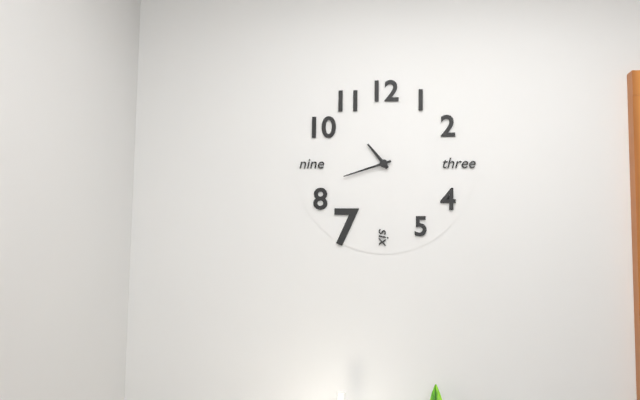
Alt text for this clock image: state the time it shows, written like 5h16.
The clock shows 10h42
